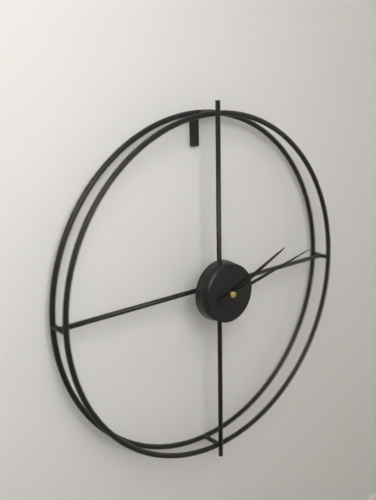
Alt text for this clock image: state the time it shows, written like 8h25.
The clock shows 2h13
